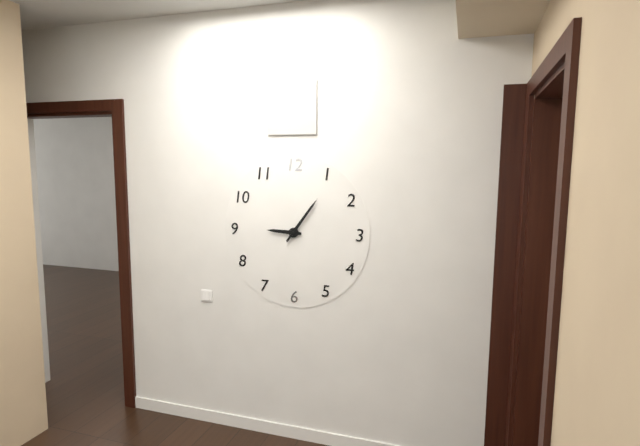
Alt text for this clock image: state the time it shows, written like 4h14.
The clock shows 9h06
